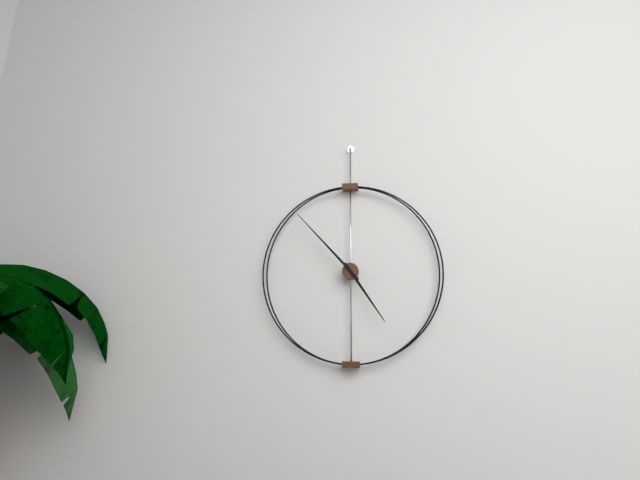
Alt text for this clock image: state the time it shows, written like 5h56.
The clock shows 4h53
